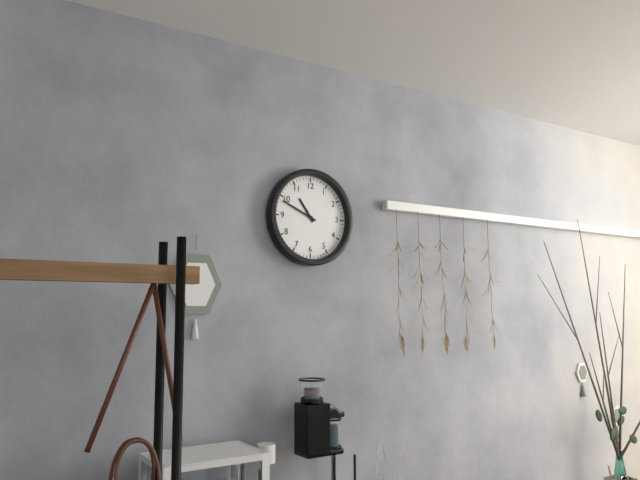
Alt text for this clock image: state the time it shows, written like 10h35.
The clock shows 10h49
